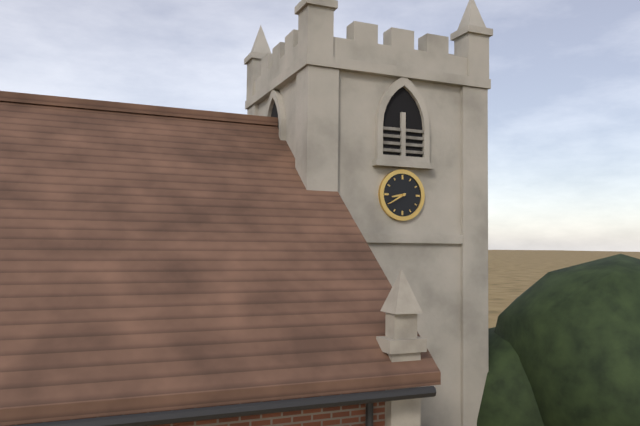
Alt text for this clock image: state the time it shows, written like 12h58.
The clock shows 8h40
